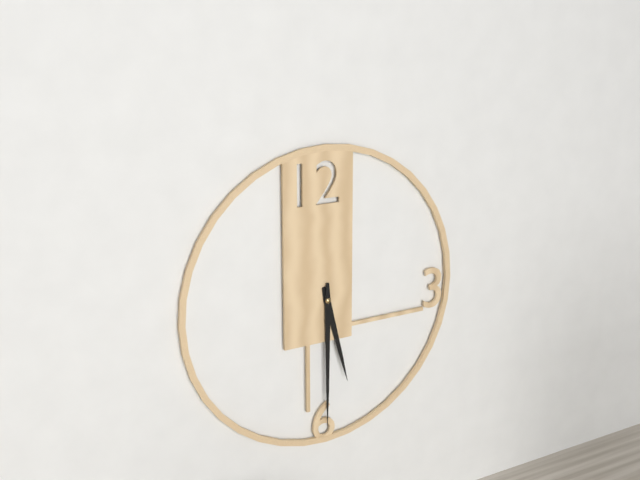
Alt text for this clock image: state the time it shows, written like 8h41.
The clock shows 5h30
